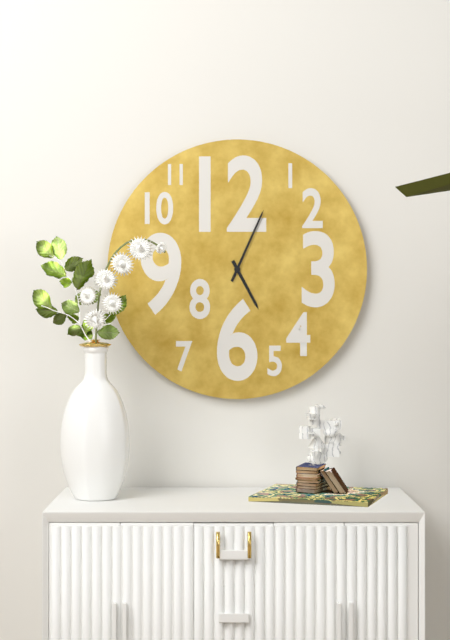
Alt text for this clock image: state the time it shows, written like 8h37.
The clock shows 5h04
